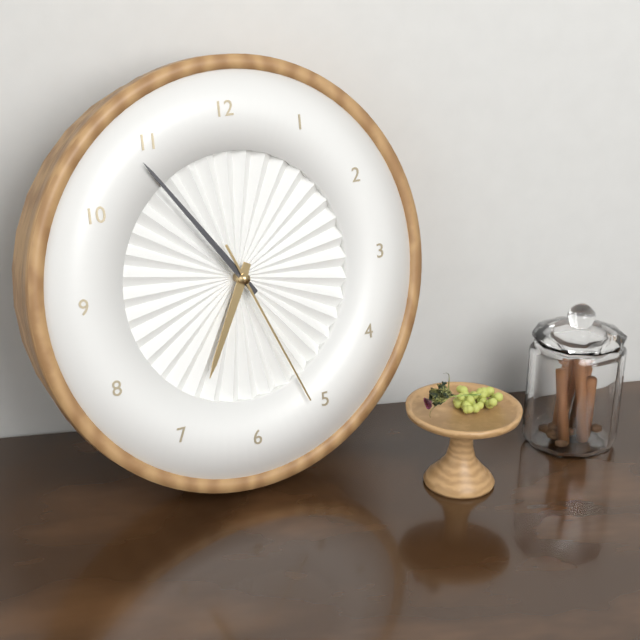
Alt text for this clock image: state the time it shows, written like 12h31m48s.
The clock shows 6h54m26s
